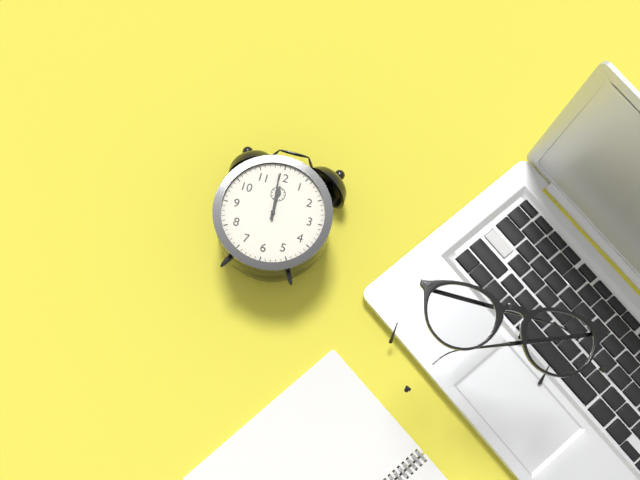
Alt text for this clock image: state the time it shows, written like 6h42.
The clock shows 11h59
